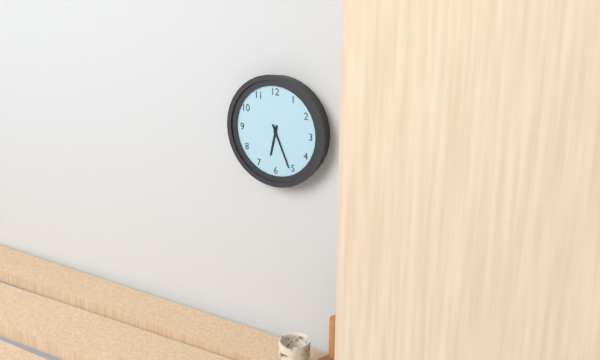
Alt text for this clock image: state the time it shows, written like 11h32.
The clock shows 6h26
